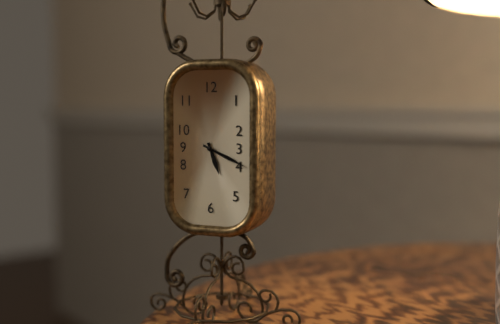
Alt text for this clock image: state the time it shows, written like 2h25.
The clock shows 5h19
